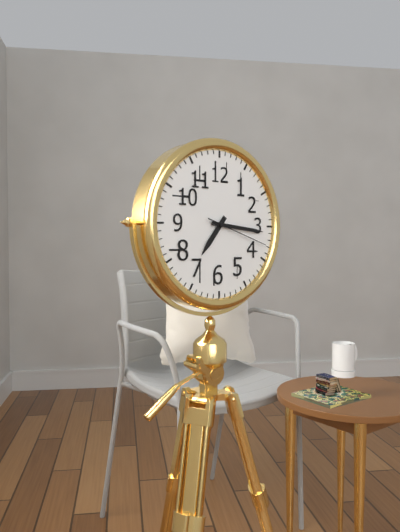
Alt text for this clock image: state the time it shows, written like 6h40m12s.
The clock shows 7h16m18s
